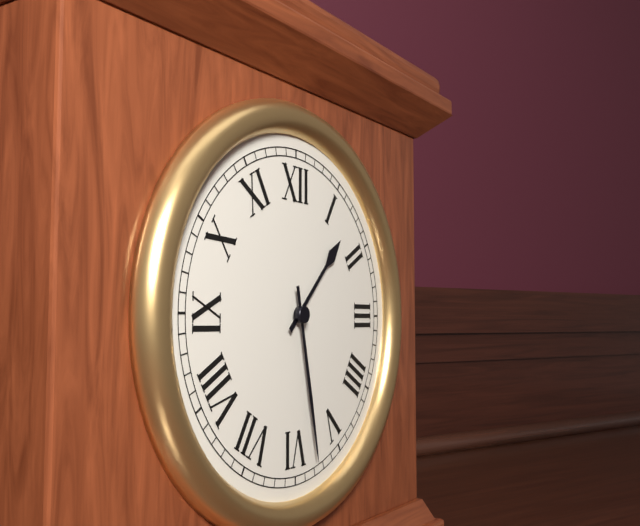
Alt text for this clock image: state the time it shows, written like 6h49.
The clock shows 1h28
